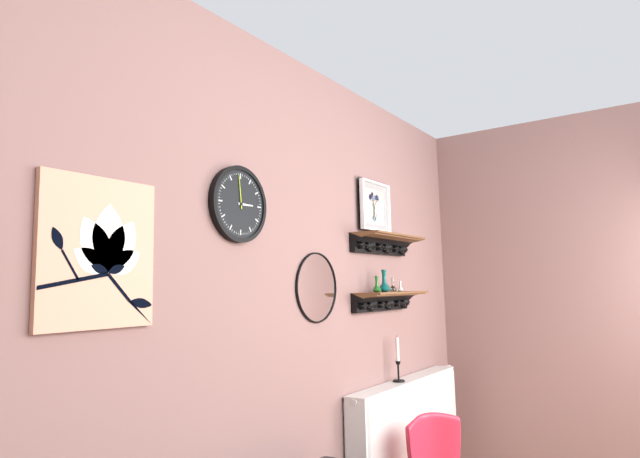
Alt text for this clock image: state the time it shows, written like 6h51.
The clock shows 2h59
